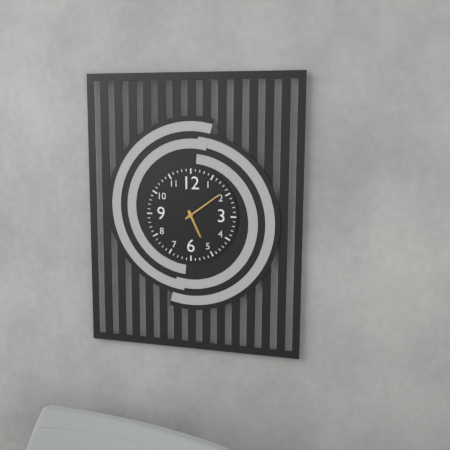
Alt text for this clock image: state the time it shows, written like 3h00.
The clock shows 5h09
